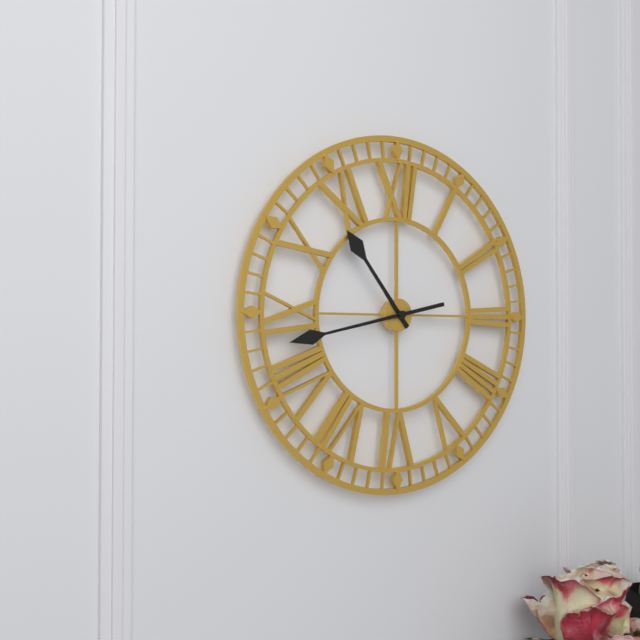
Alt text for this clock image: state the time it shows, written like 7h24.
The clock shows 10h43
